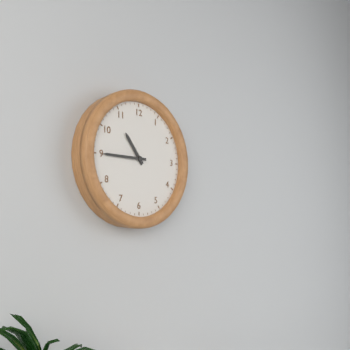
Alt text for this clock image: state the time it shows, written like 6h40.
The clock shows 10h45
